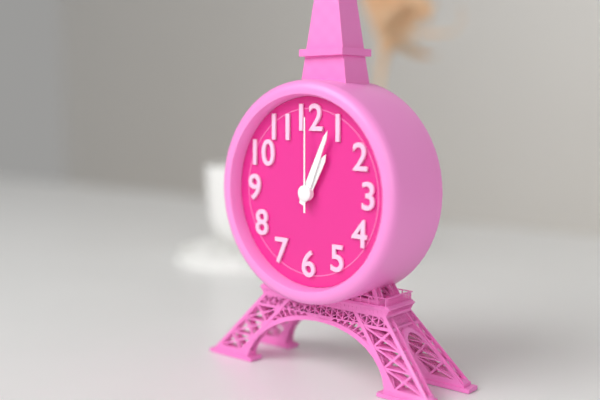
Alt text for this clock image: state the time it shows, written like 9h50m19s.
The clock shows 1h04m00s
